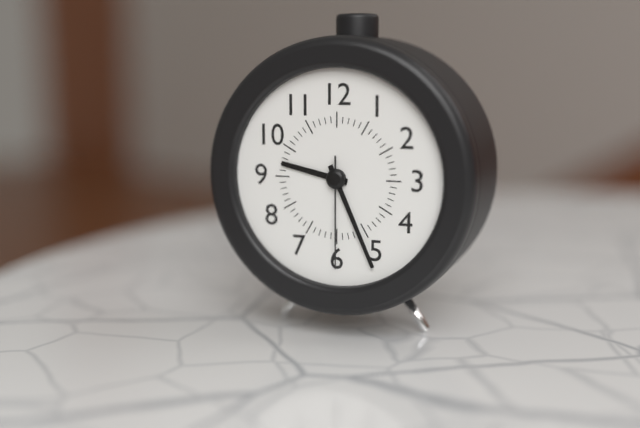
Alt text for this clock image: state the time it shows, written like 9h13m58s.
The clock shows 9h26m30s
